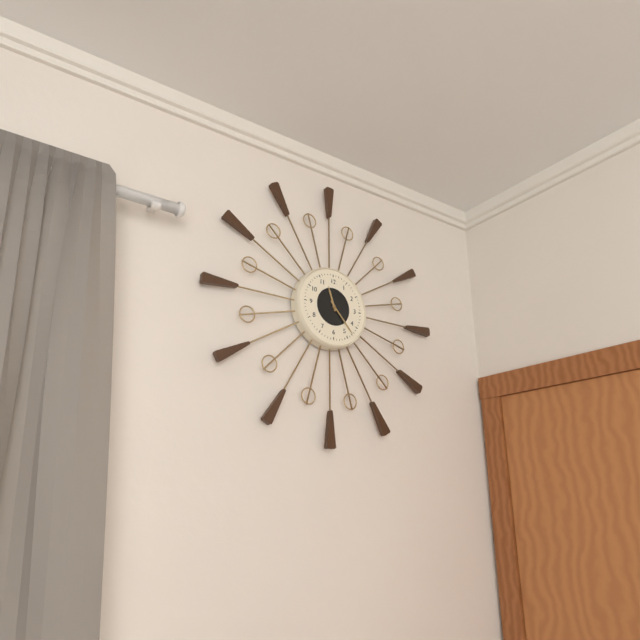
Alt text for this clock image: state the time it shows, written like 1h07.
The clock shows 11h23
